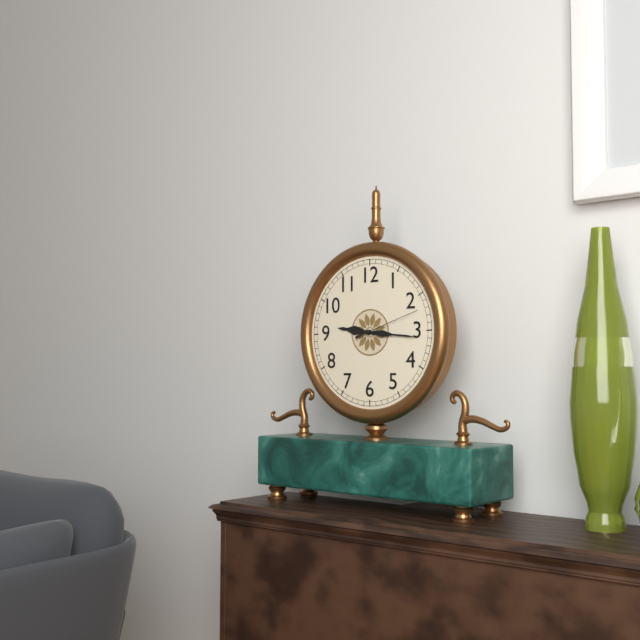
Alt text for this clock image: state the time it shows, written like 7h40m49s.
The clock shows 9h16m12s
